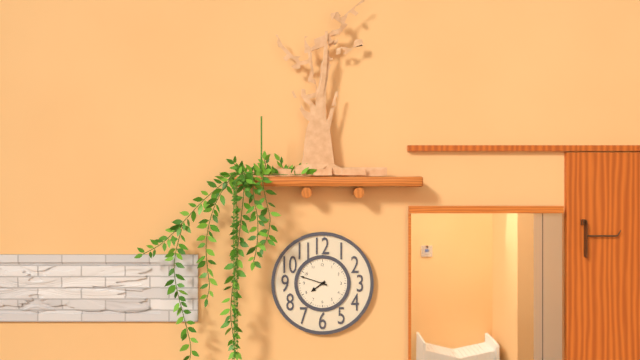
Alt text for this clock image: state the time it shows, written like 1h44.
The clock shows 7h48
